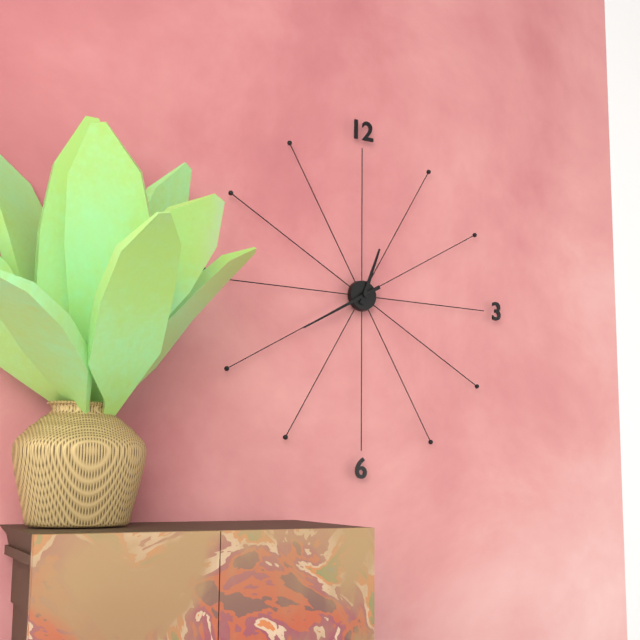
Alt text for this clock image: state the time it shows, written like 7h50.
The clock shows 12h40
